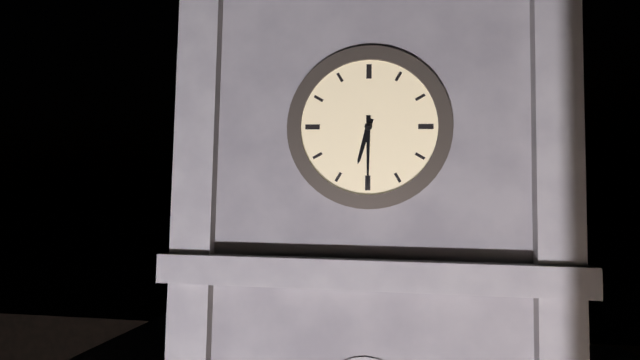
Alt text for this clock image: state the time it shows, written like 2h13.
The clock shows 6h30
